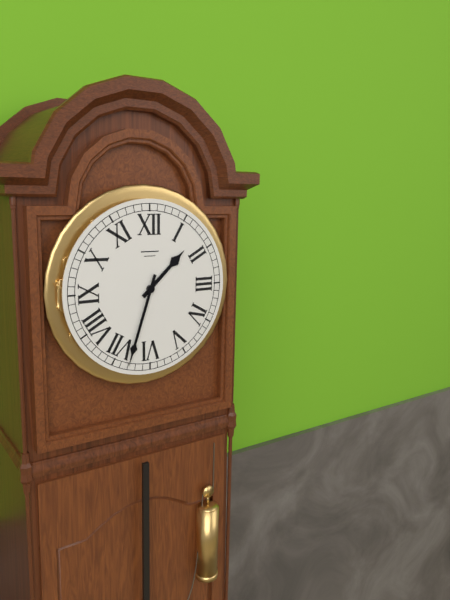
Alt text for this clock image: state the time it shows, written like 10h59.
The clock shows 1h33
